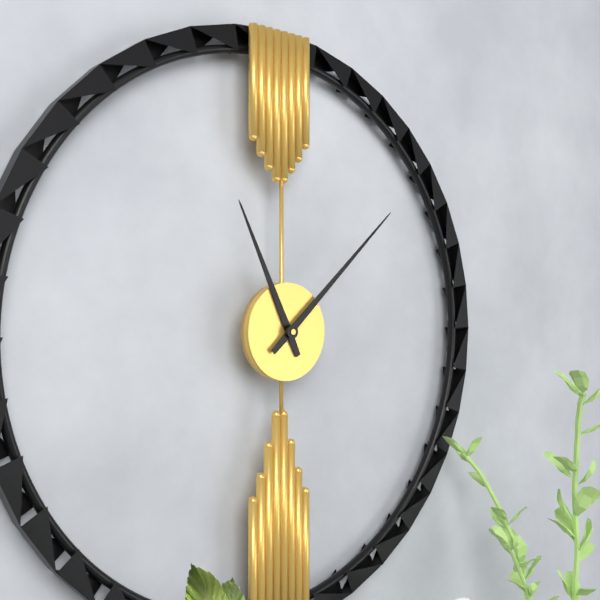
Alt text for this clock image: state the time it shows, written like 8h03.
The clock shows 11h08
